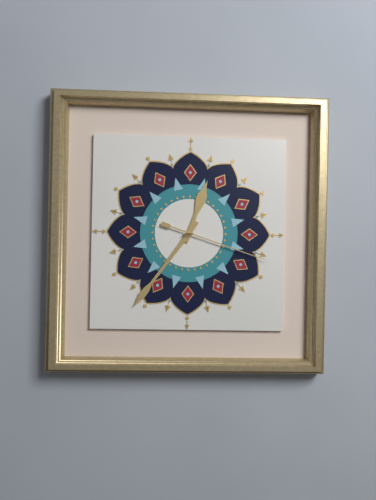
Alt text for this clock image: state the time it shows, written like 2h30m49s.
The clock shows 12h36m18s
